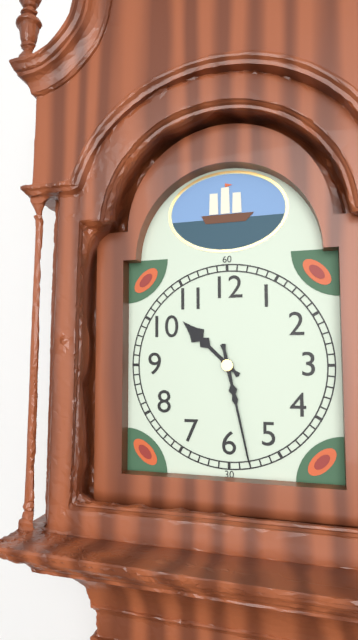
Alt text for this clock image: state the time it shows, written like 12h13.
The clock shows 10h28
